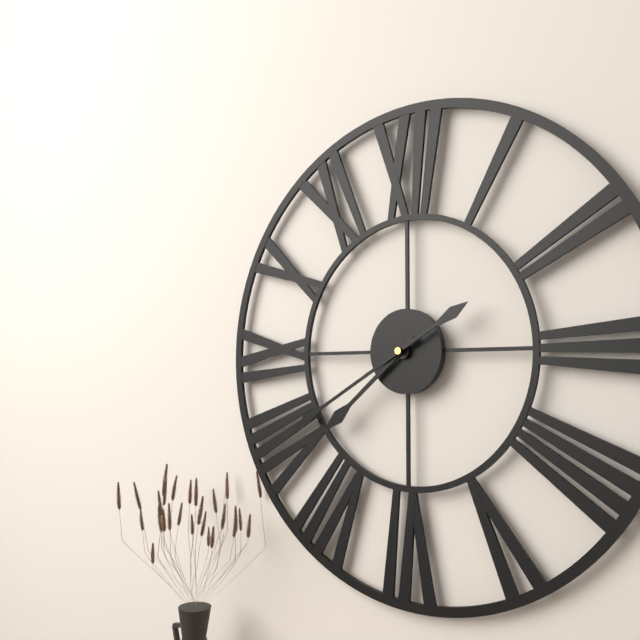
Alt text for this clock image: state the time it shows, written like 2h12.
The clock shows 7h40
